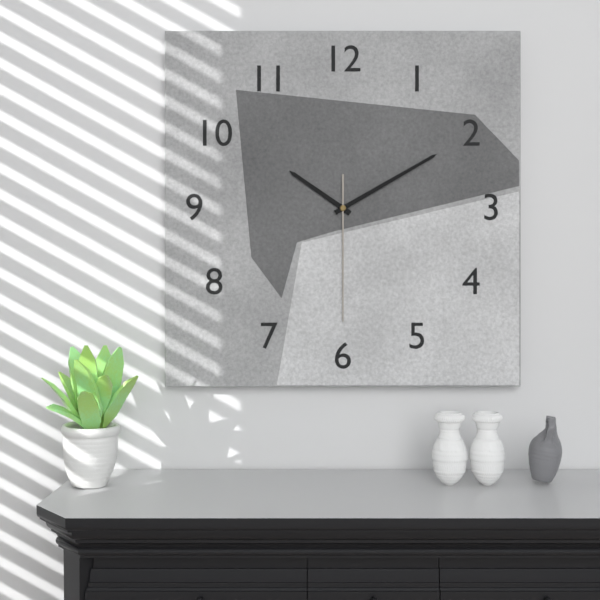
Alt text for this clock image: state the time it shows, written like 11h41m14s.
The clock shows 10h10m30s
